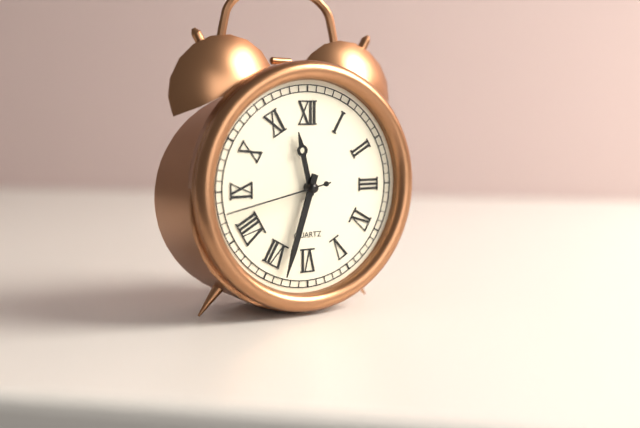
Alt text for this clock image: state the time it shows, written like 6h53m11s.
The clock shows 11h33m43s
